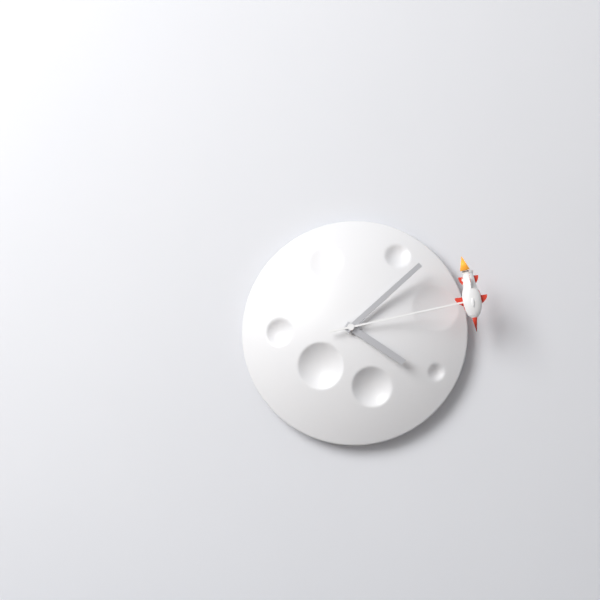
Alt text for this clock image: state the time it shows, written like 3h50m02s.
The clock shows 4h08m13s
